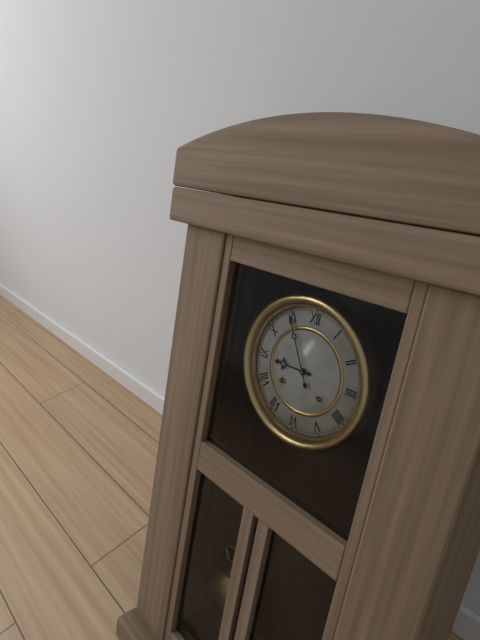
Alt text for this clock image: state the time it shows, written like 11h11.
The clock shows 8h55
